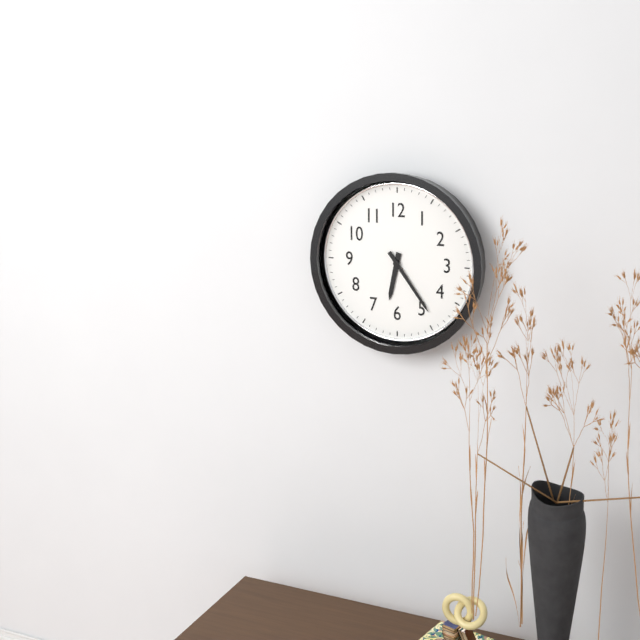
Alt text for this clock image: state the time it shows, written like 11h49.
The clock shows 6h24
